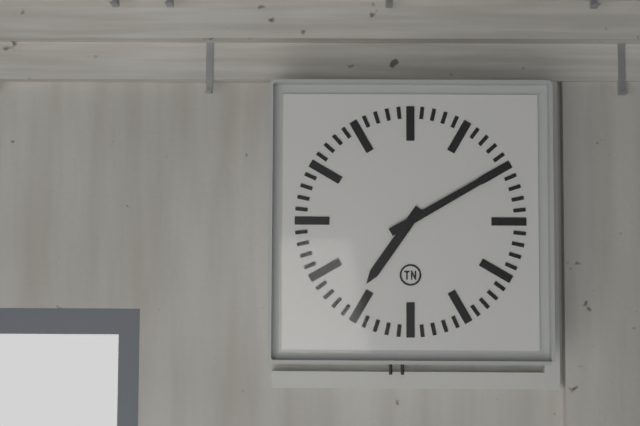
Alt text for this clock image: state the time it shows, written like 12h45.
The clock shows 7h10
